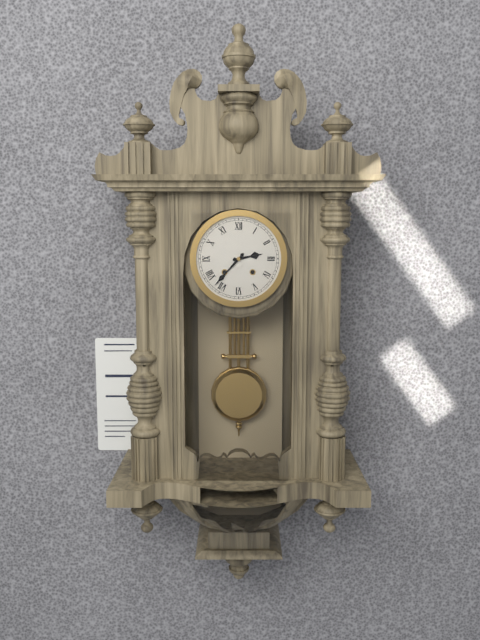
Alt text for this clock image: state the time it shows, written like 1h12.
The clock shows 2h37
